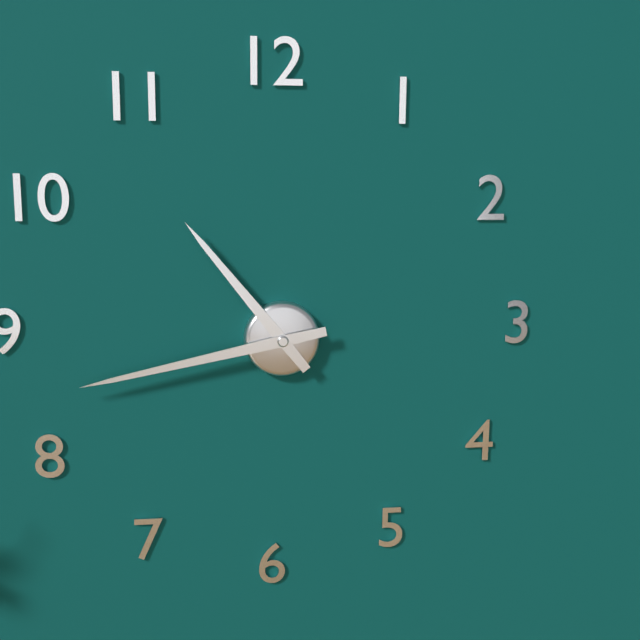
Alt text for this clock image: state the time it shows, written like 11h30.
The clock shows 10h43
